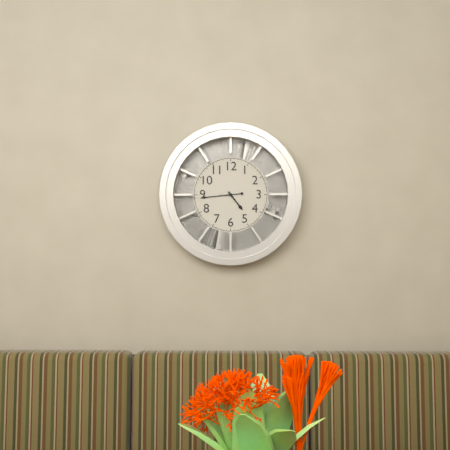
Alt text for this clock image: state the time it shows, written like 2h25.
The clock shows 4h44
